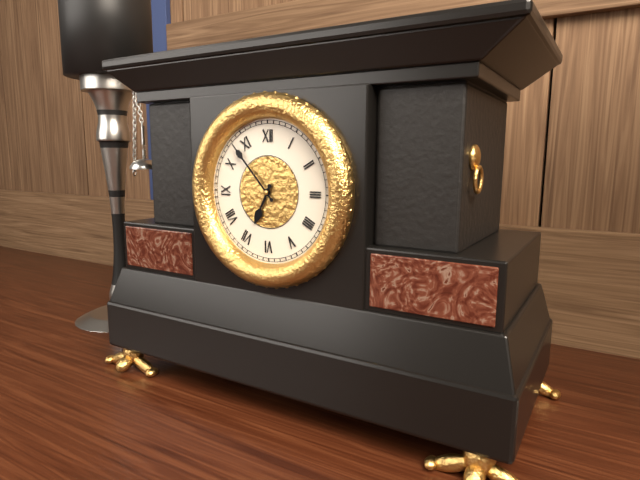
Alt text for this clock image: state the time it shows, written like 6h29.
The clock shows 6h53
